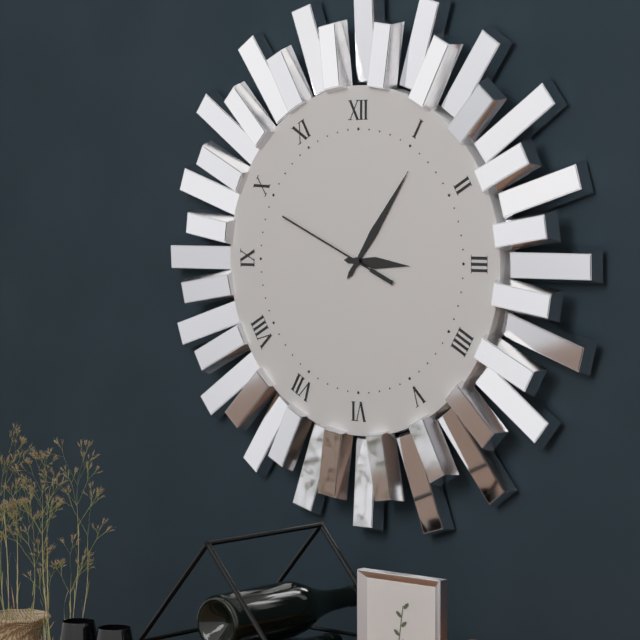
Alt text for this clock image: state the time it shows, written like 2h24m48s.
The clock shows 3h06m49s
